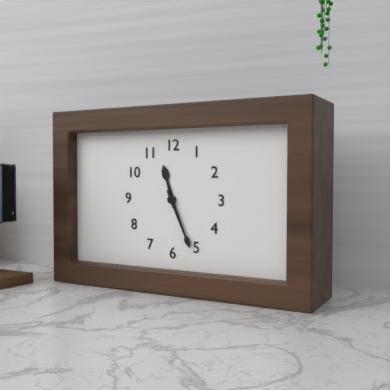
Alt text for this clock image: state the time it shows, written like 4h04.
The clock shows 11h26
